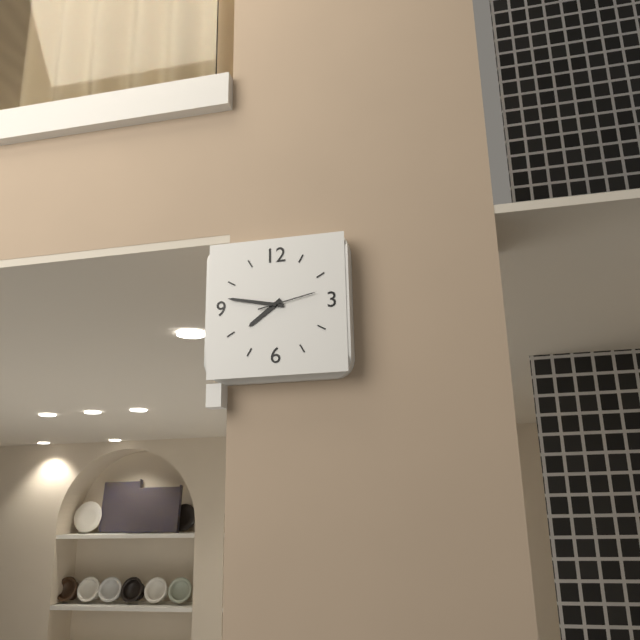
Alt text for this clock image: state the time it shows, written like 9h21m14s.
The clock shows 7h47m13s
